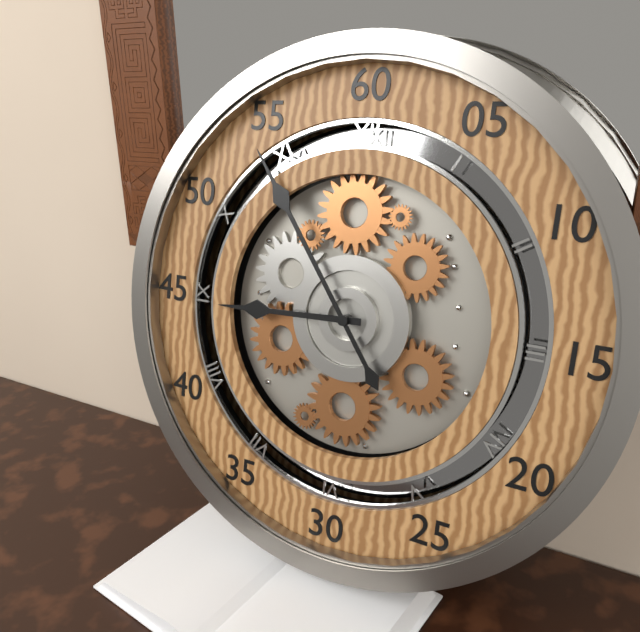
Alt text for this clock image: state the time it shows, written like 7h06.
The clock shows 8h54
